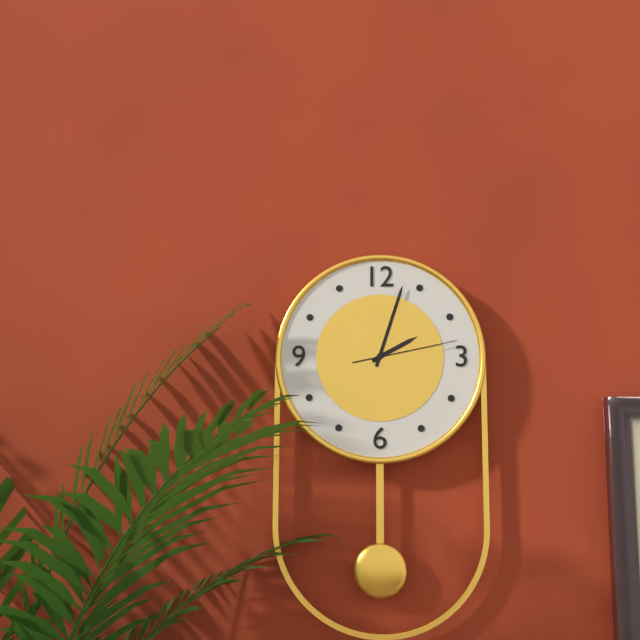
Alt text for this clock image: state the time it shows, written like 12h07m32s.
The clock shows 2h03m13s
